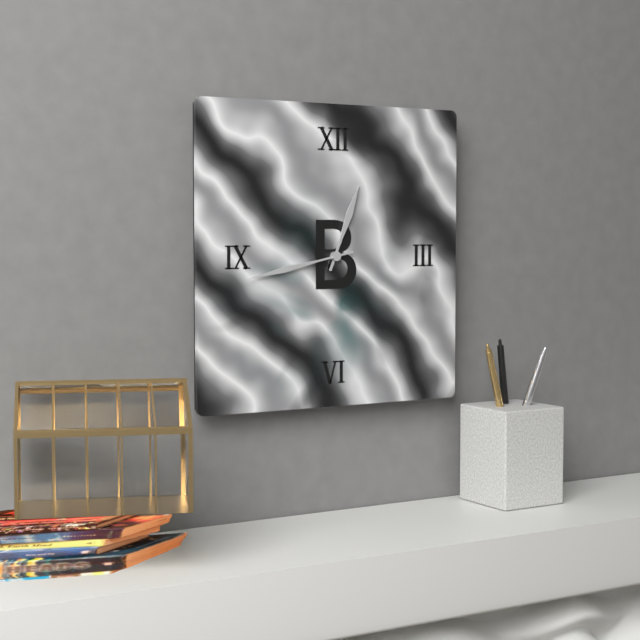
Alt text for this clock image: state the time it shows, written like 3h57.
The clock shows 12h43
